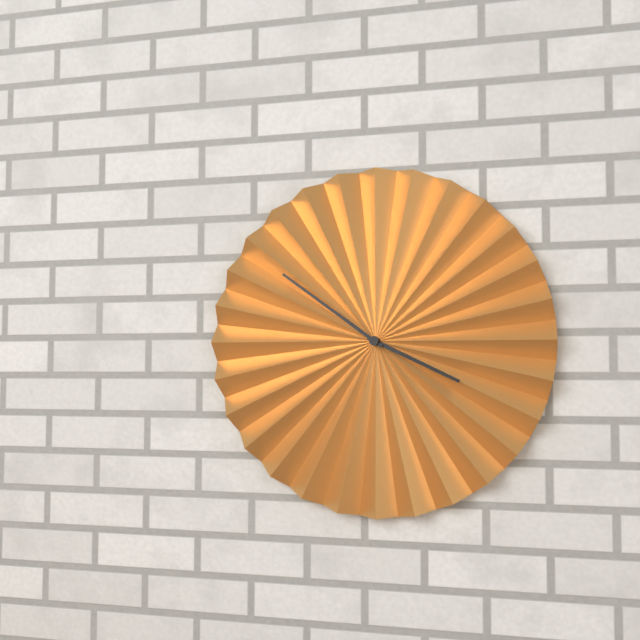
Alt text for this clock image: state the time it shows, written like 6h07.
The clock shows 3h51
